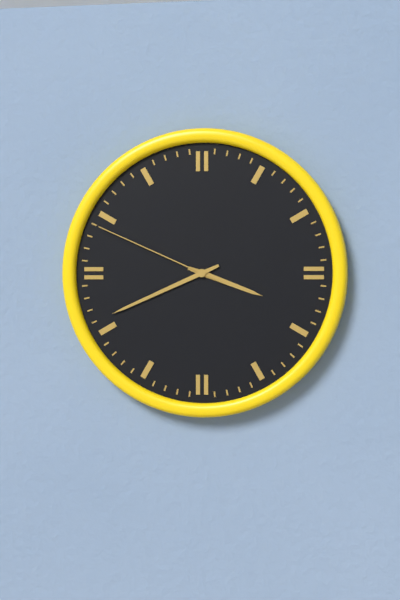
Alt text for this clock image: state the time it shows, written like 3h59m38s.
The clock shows 3h41m49s
